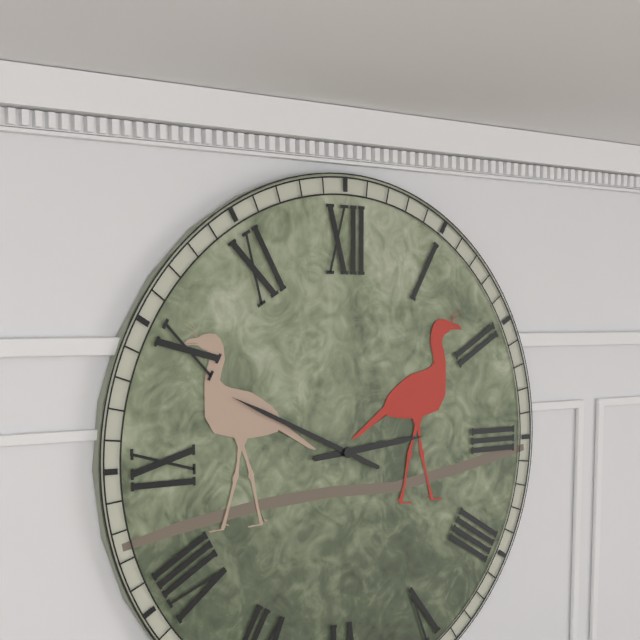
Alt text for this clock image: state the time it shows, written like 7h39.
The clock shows 2h49
